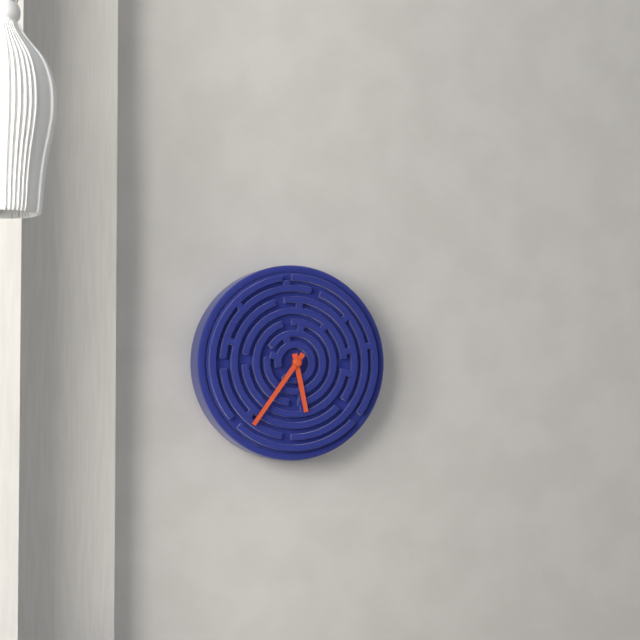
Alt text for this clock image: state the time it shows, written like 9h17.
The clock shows 5h36
